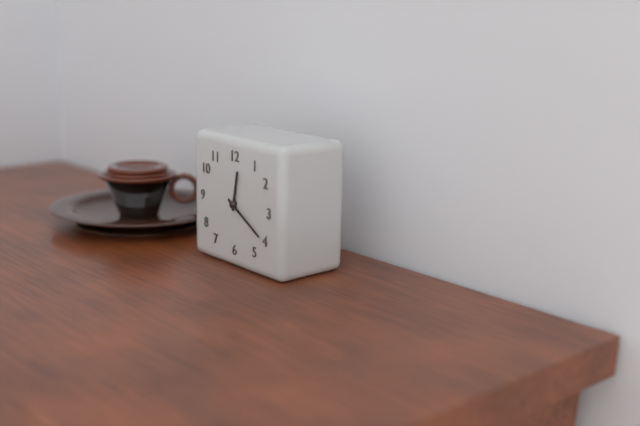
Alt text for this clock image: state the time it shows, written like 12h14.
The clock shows 12h20
